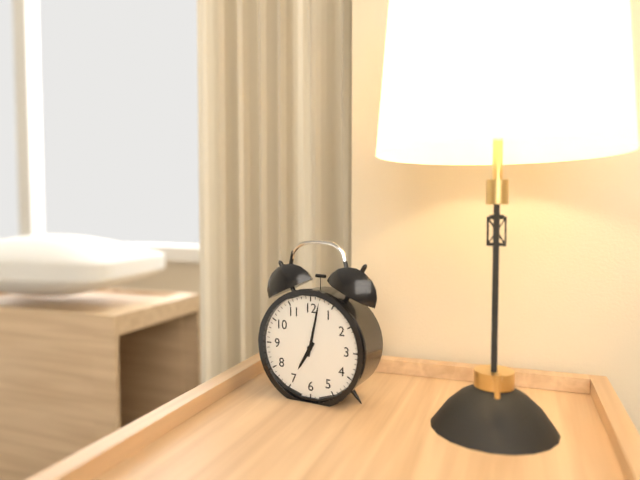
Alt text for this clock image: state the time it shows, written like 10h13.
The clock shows 7h02
